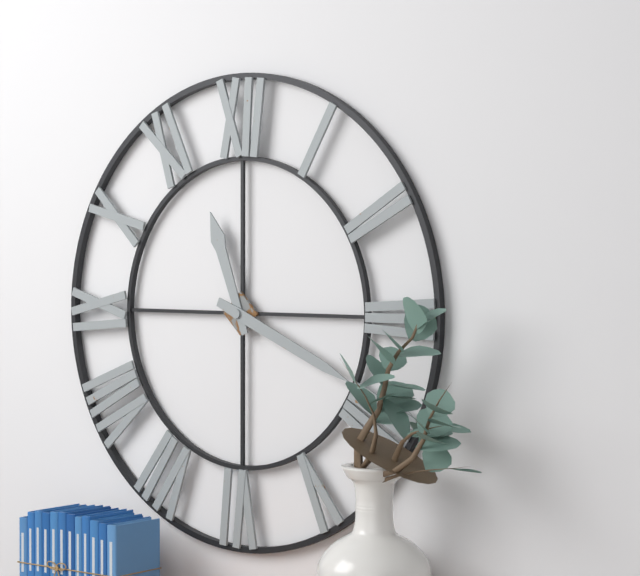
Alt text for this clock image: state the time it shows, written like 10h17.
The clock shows 11h19
